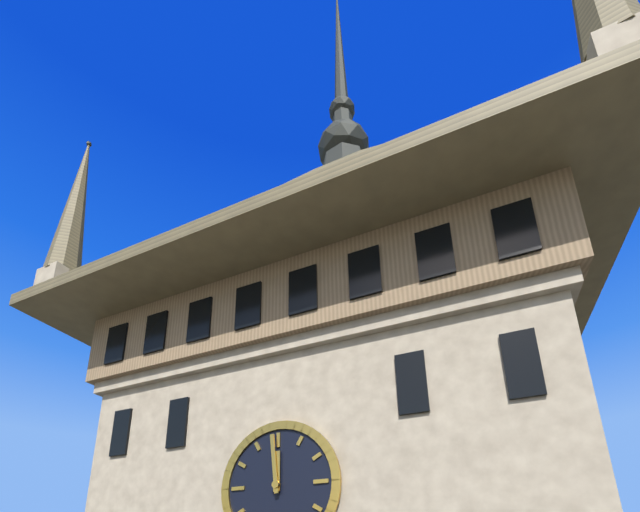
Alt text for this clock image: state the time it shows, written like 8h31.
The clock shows 11h59
